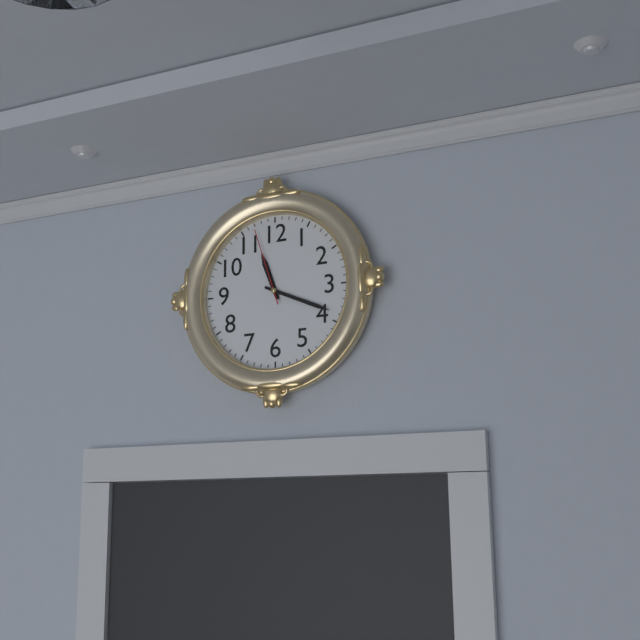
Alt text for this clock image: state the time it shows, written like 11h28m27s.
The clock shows 11h19m57s
